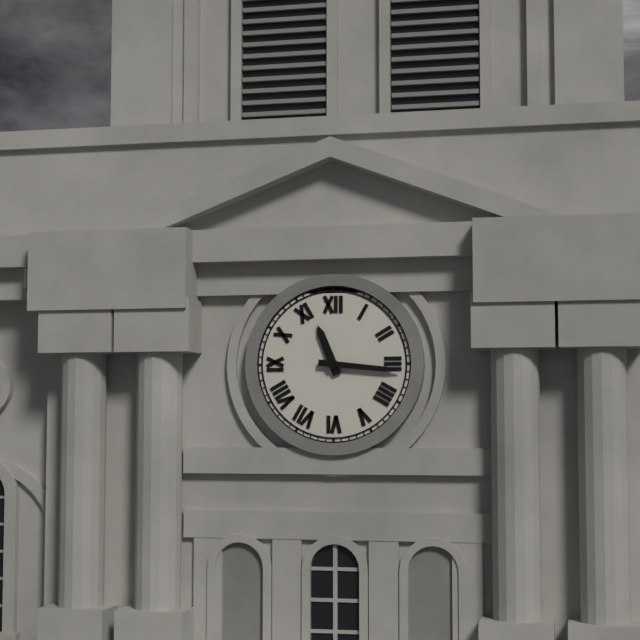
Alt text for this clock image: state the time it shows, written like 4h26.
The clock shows 11h16
